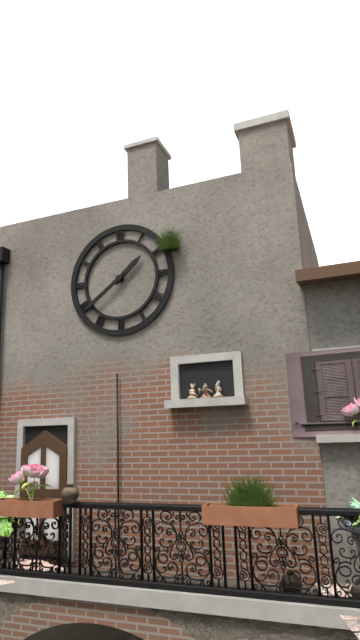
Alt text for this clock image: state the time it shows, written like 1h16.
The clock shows 1h39
